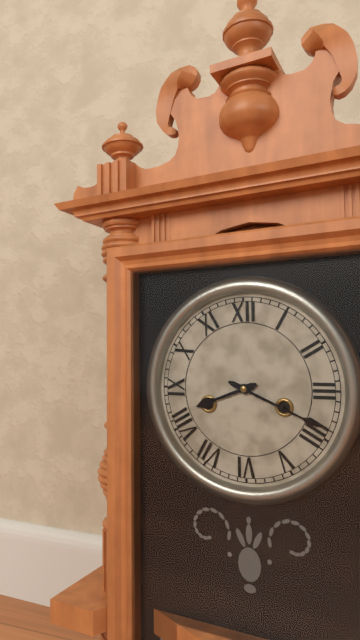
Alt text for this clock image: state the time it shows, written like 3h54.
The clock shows 8h19
